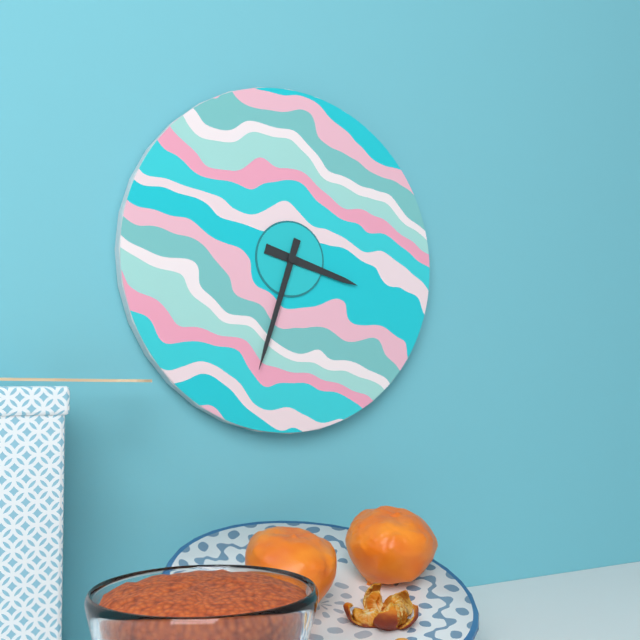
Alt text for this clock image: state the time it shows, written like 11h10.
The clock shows 3h33
